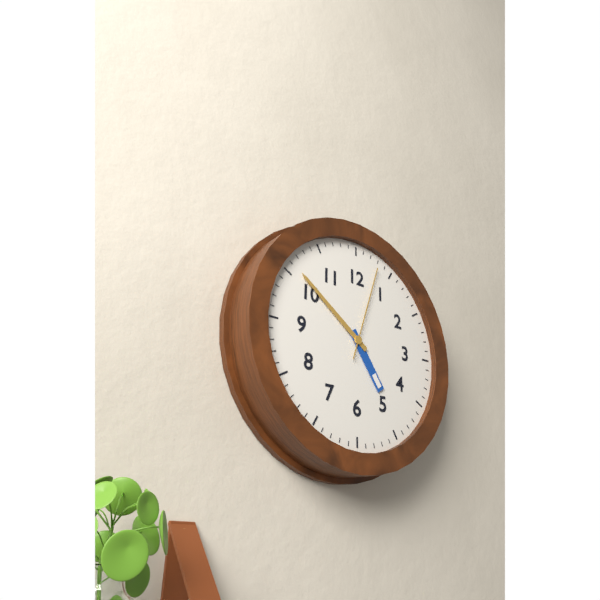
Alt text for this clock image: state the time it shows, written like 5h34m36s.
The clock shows 4h51m03s
